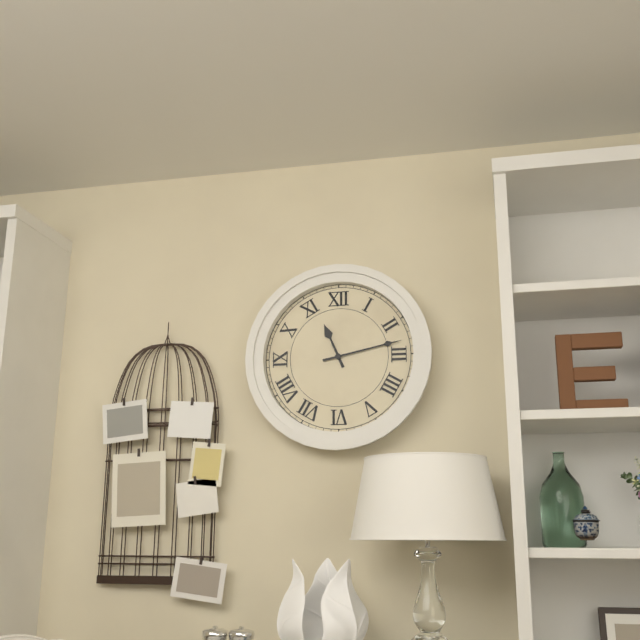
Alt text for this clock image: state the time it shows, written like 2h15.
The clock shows 11h13
